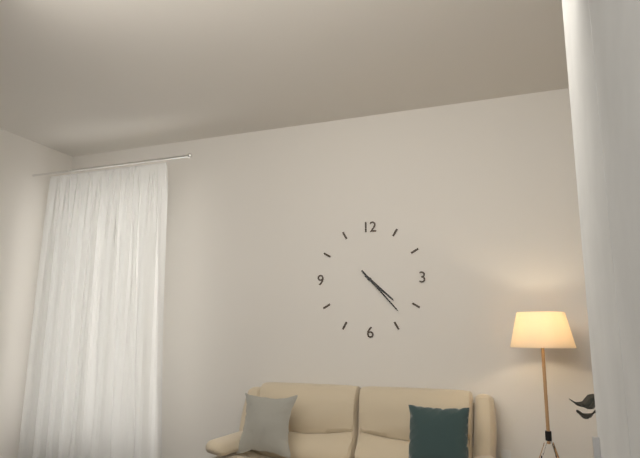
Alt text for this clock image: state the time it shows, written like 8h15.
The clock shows 4h23
